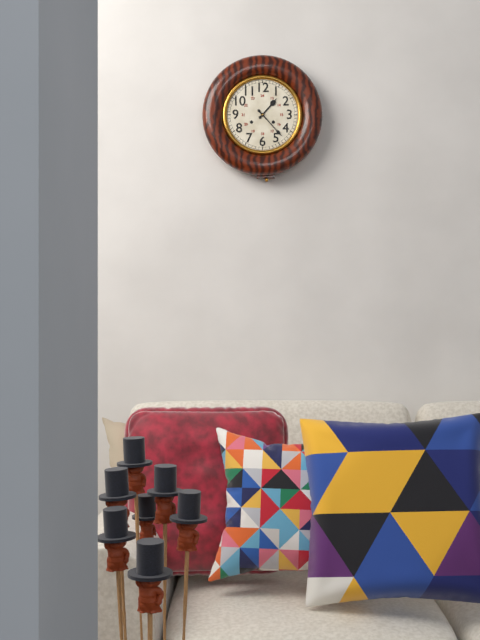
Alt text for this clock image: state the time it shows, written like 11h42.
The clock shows 1h23
